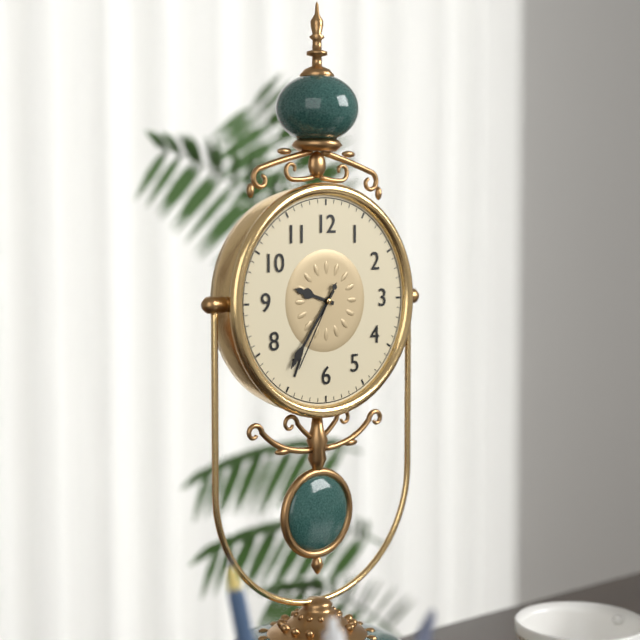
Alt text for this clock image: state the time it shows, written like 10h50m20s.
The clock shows 9h36m35s
